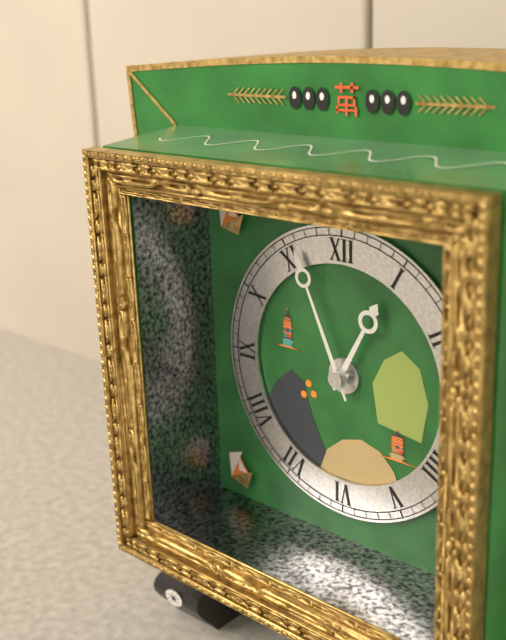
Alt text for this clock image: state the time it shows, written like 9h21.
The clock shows 12h56
